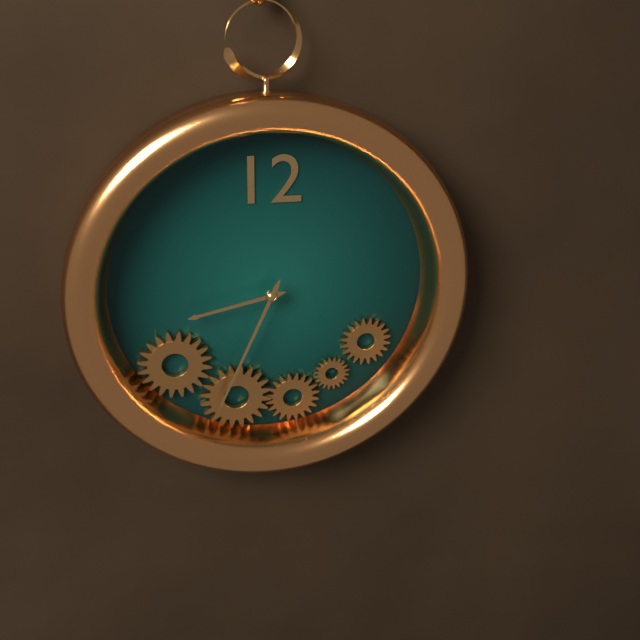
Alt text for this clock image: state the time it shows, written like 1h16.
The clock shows 8h34
